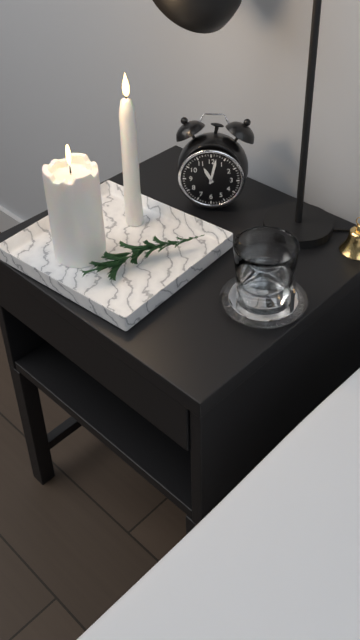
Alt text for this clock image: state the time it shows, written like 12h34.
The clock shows 11h02
